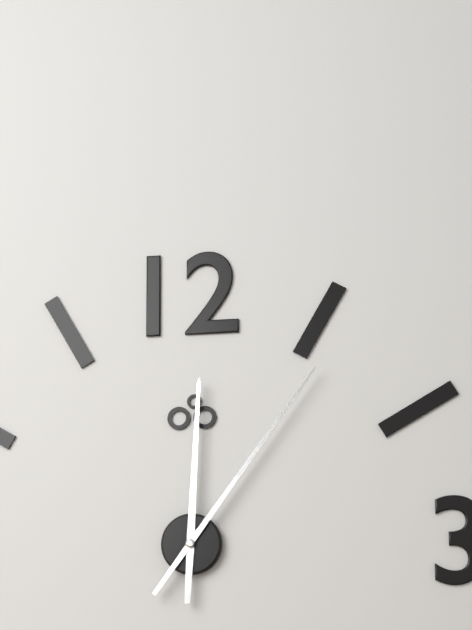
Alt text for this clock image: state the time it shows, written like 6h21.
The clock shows 12h06
